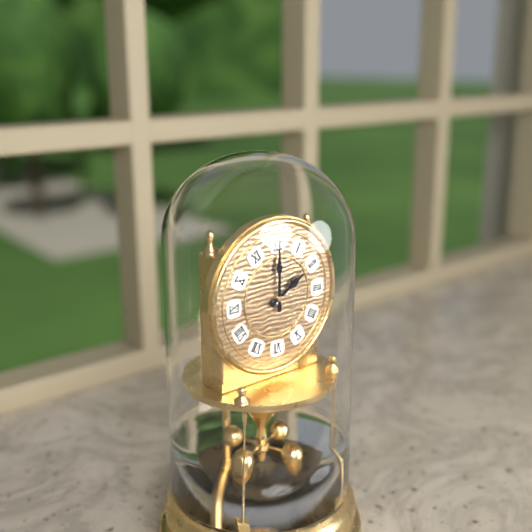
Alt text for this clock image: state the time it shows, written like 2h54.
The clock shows 2h00
